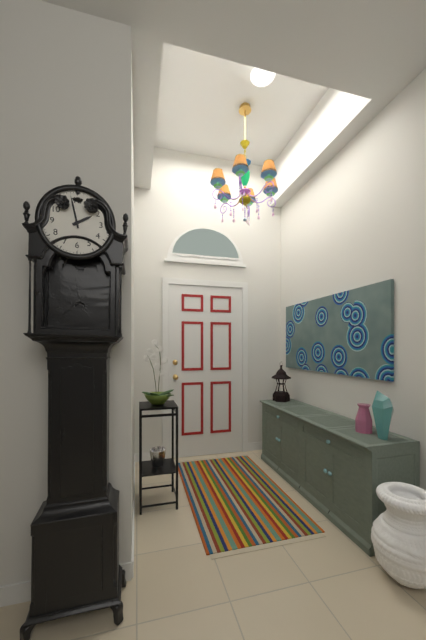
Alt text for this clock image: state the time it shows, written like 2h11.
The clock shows 1h58
